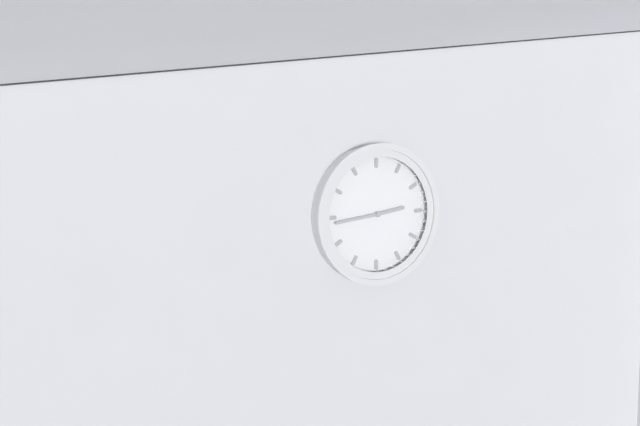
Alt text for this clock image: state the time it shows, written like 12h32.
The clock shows 2h44
